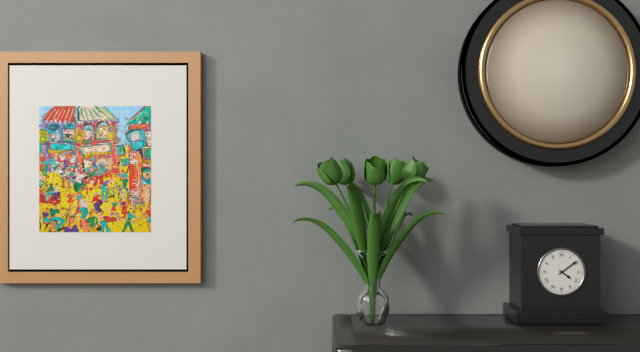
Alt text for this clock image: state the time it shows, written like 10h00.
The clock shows 4h09
